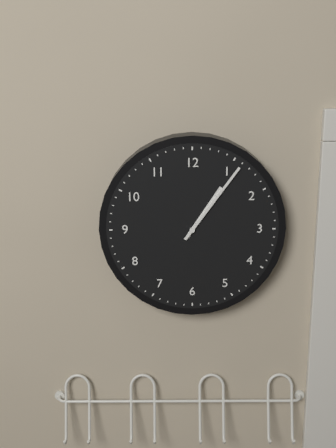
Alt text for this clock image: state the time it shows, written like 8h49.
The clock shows 1h06
